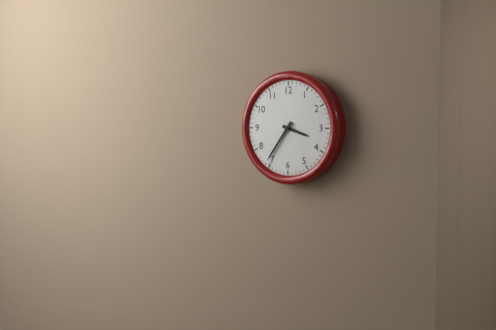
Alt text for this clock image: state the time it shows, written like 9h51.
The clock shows 3h36
